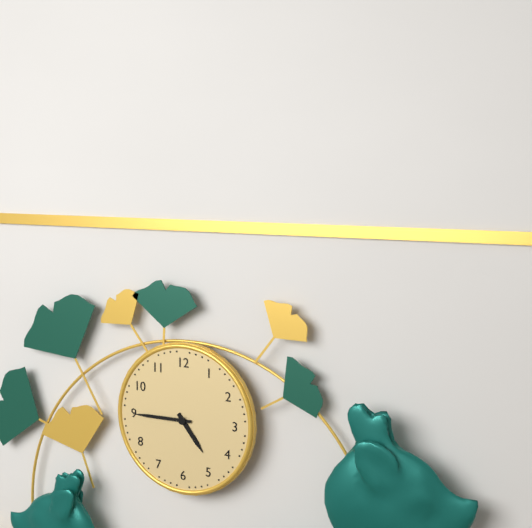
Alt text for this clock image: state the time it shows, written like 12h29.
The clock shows 4h45
